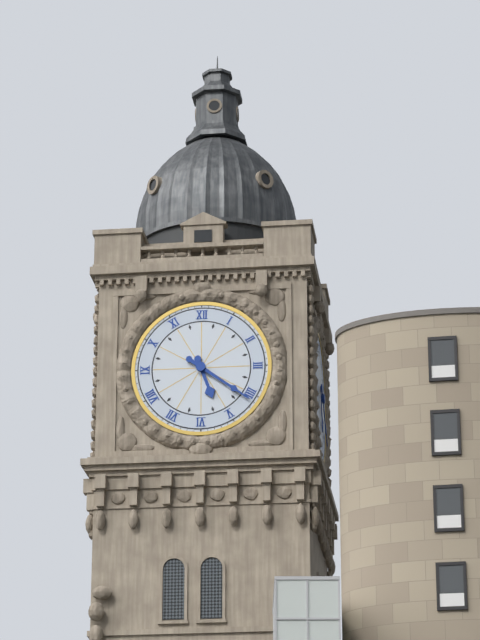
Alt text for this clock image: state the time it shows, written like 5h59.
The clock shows 5h21
